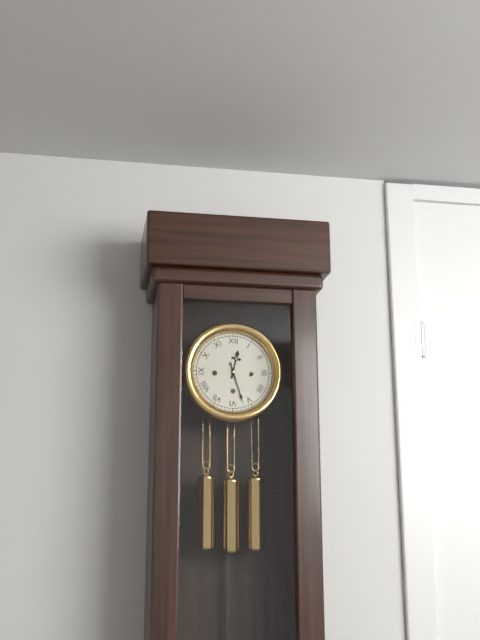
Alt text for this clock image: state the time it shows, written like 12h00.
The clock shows 12h27
